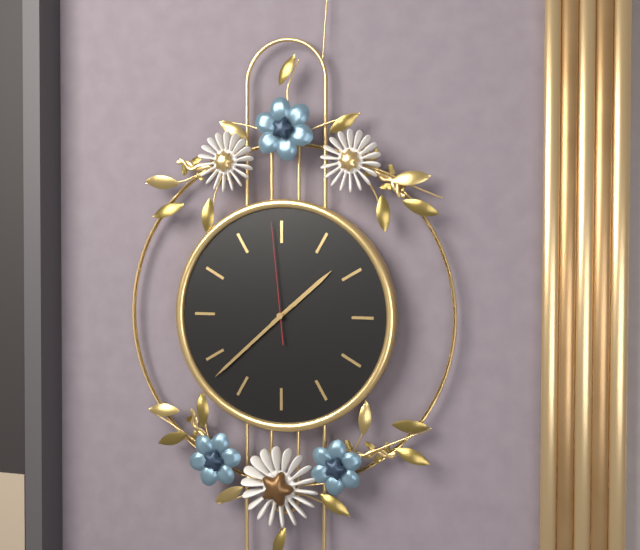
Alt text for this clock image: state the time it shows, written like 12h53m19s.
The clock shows 1h38m59s
